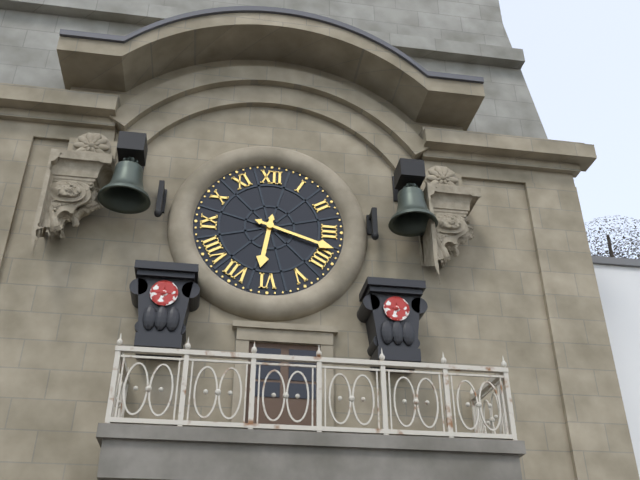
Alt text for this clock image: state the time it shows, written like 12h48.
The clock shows 6h18
